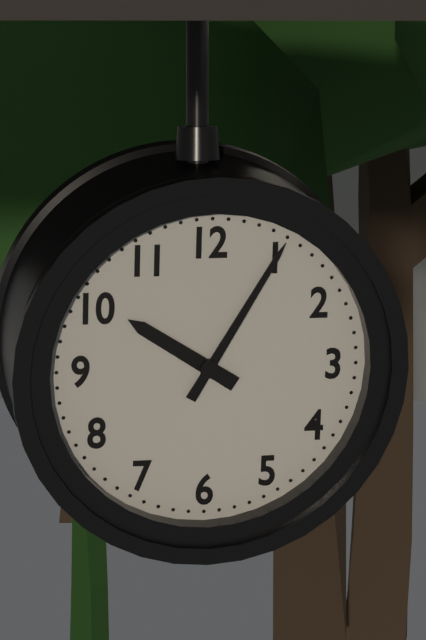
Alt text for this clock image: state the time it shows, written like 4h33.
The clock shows 10h05
